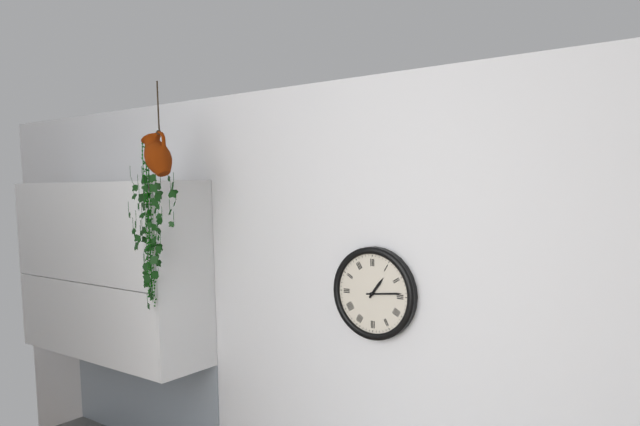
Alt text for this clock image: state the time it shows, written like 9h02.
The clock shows 1h14
